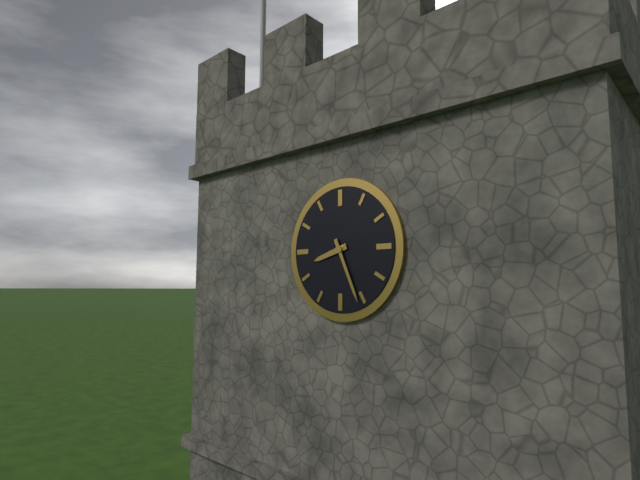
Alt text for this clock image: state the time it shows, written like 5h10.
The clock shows 8h26
